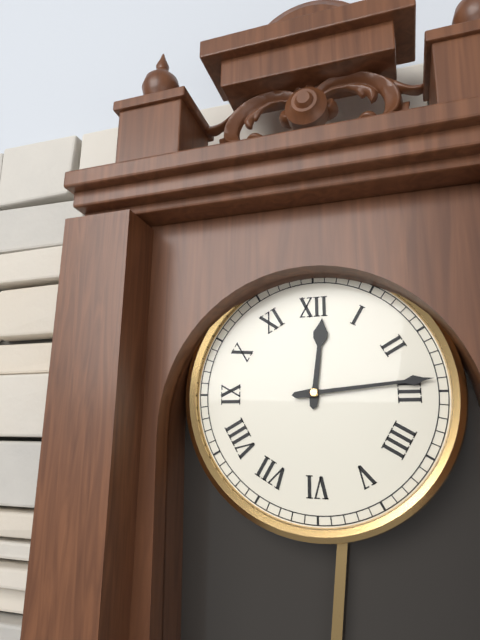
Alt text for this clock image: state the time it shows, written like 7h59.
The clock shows 12h14
